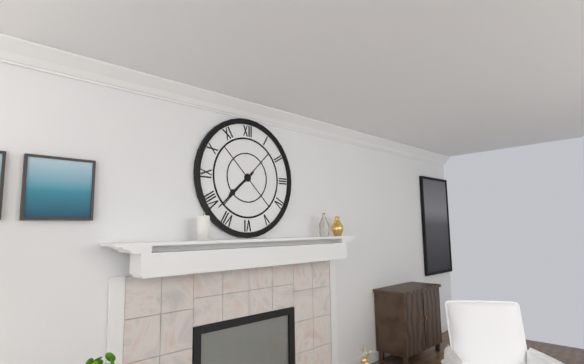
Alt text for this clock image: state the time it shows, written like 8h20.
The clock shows 7h38
